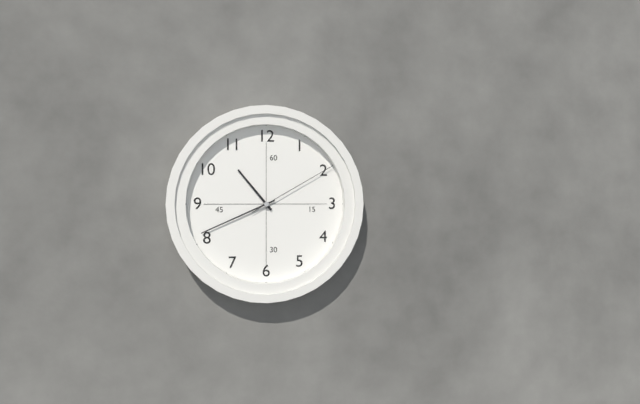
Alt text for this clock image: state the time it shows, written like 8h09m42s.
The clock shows 10h41m10s
